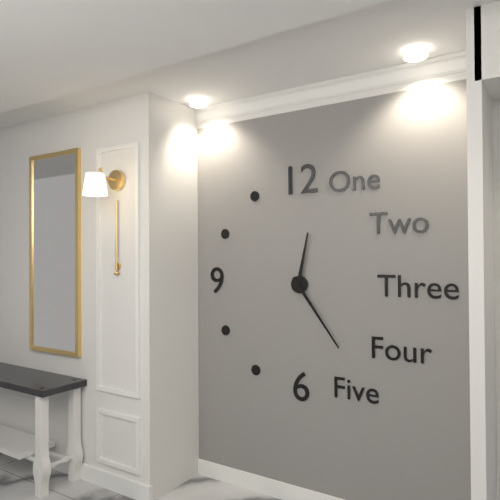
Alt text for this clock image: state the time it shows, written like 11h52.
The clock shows 12h24
